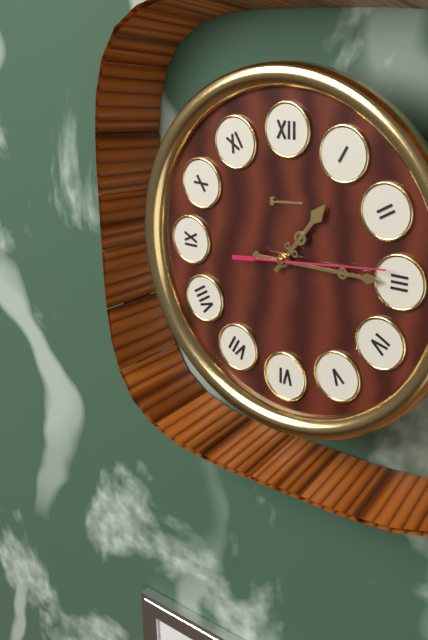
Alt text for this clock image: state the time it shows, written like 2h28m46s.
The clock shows 1h15m14s
